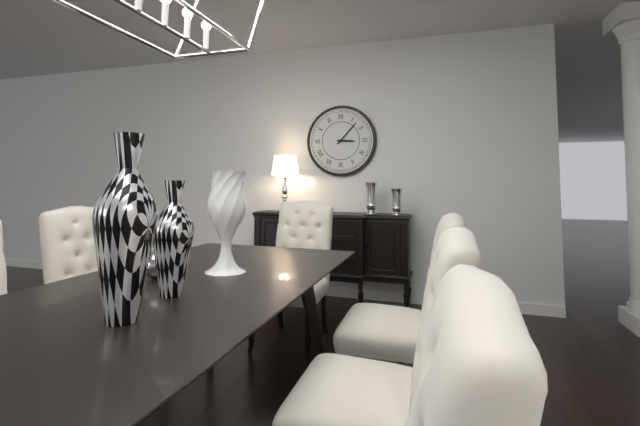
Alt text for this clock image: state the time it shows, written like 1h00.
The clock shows 3h07
